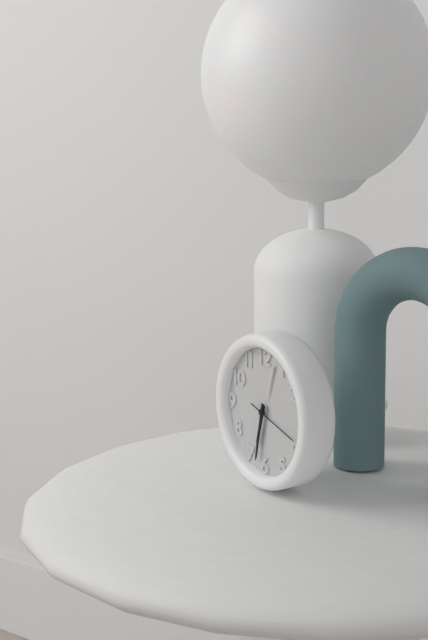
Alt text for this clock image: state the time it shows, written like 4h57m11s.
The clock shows 6h32m18s
